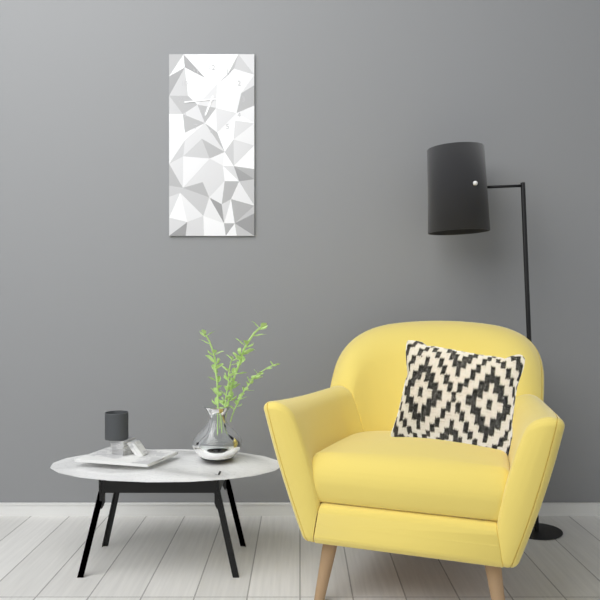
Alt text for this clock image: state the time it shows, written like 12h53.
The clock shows 6h44
